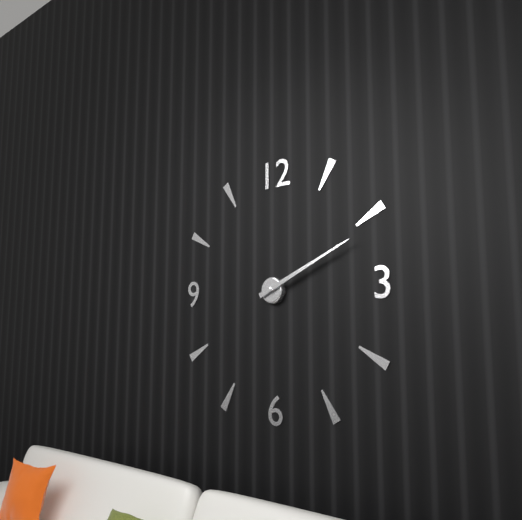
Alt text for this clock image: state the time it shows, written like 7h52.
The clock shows 2h11
